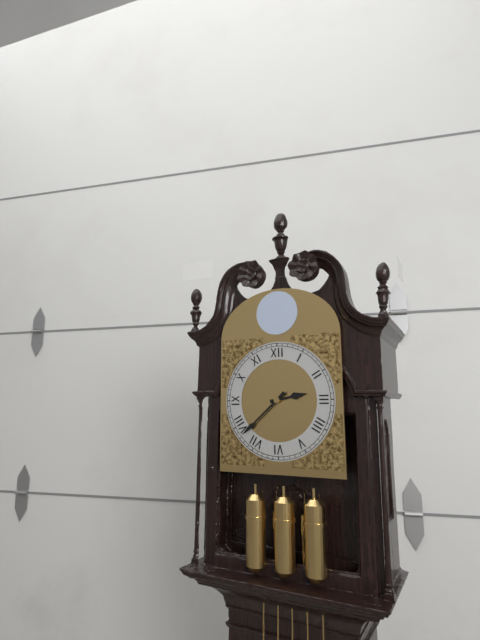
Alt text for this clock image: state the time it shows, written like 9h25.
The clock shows 2h38
